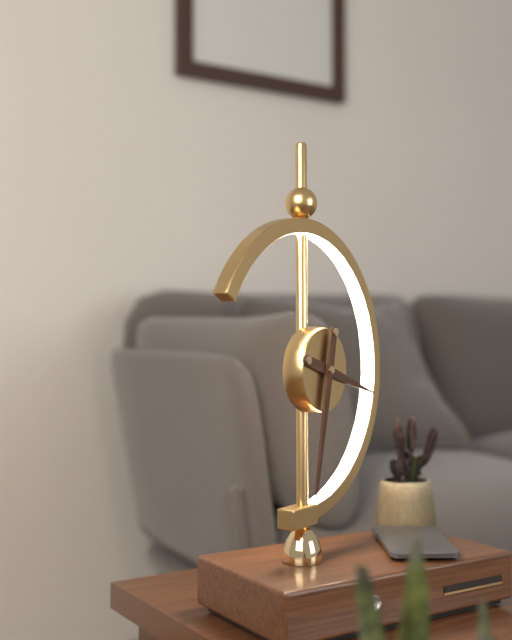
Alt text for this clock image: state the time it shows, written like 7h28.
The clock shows 3h32
